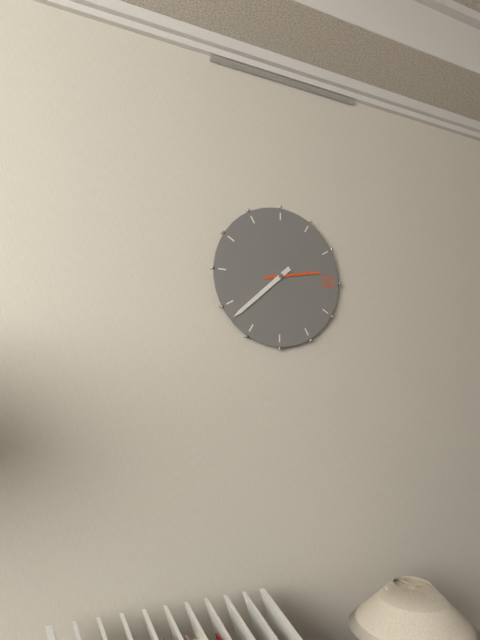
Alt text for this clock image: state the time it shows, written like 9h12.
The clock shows 2h38
